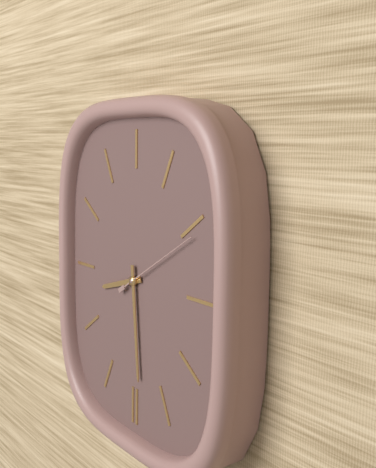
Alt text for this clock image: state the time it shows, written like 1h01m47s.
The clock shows 8h29m10s
